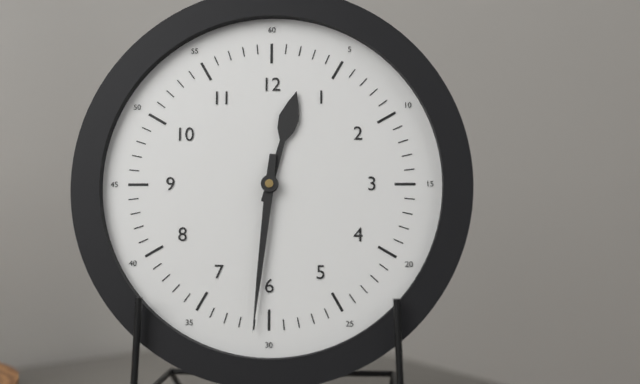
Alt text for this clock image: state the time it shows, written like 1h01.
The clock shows 12h31
